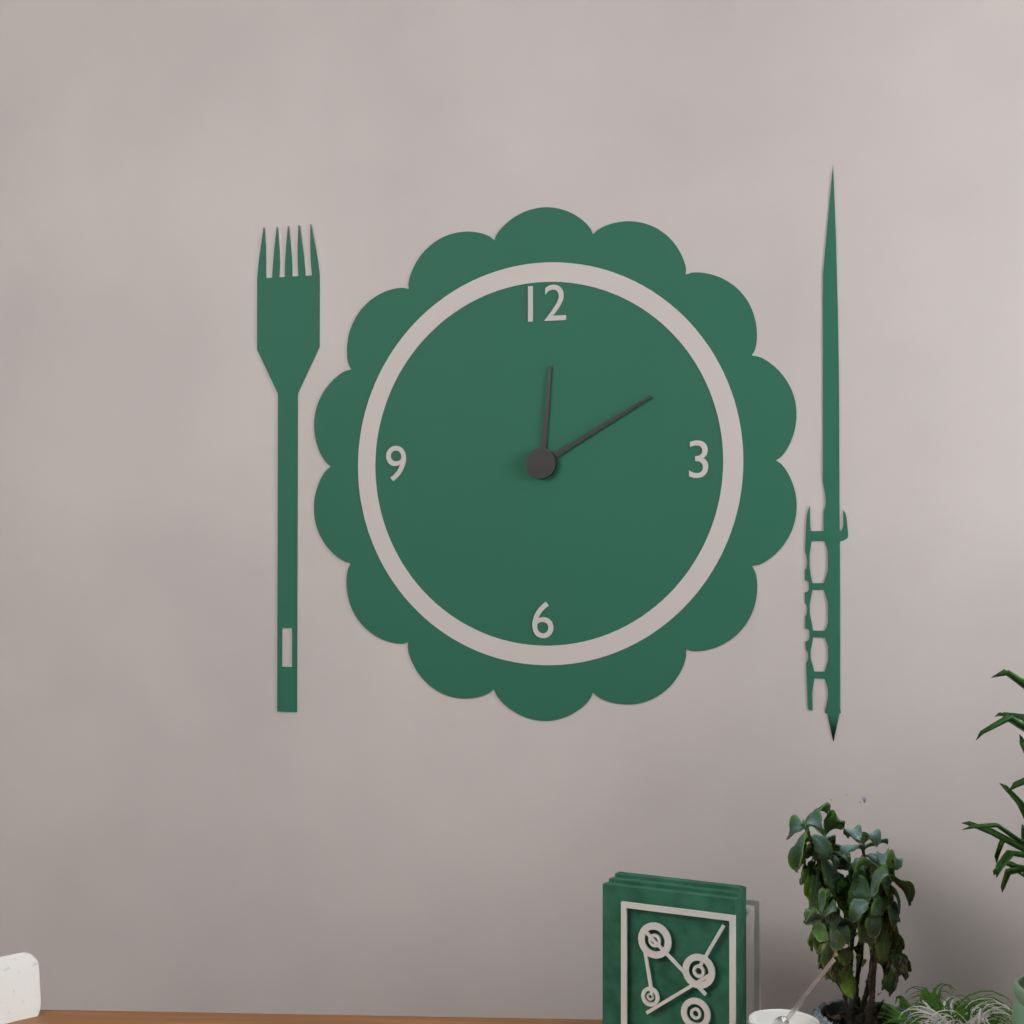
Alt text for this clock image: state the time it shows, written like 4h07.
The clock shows 12h10
